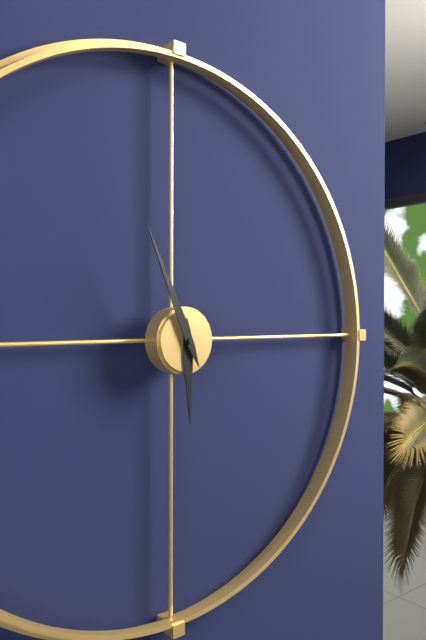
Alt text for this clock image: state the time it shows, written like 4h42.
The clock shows 5h56
